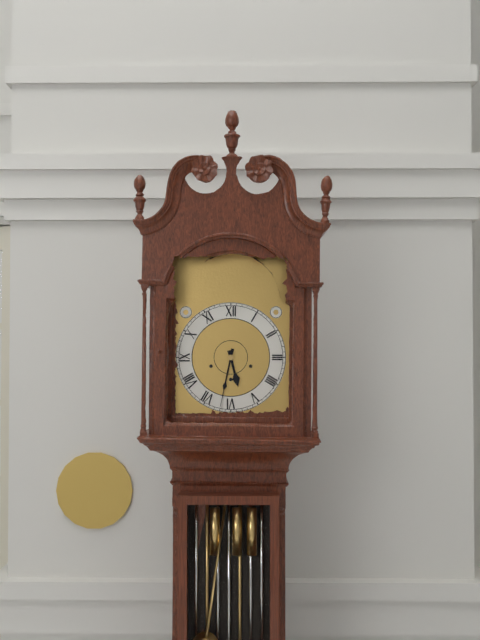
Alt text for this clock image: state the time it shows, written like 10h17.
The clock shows 5h32
